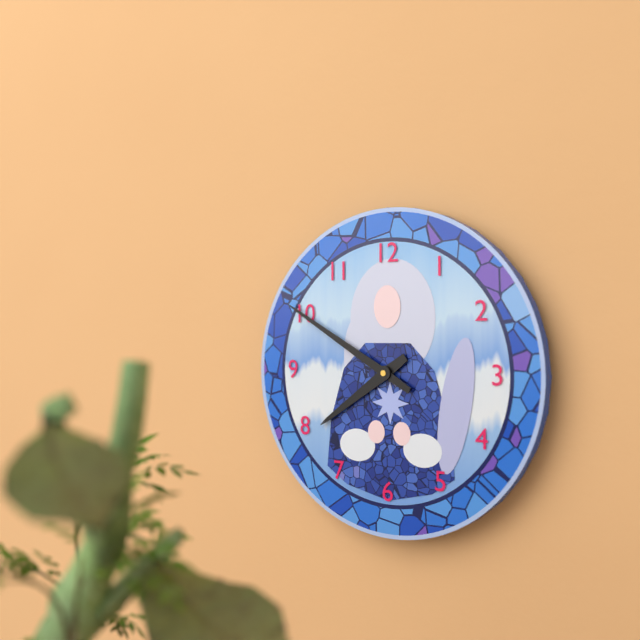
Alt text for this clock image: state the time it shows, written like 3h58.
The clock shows 7h50
